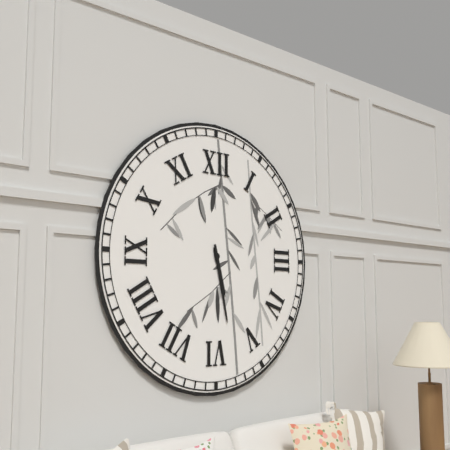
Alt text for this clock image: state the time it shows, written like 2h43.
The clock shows 5h28
